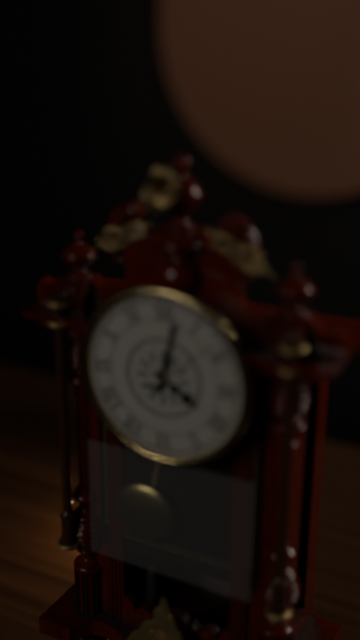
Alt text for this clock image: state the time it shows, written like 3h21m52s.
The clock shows 4h02m08s
